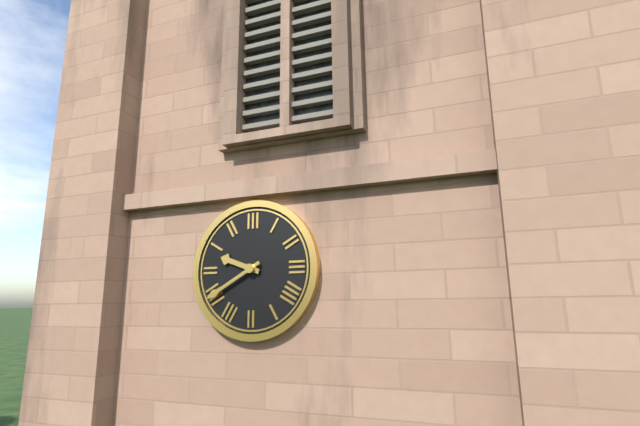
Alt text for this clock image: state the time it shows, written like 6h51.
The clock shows 9h40
